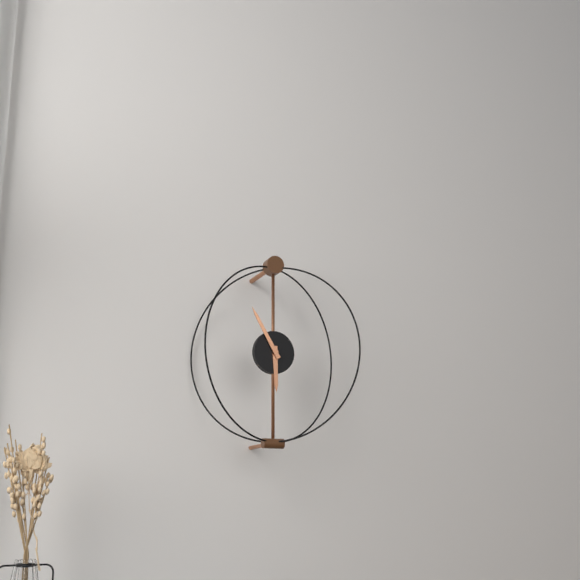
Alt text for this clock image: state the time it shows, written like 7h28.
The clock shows 5h55
